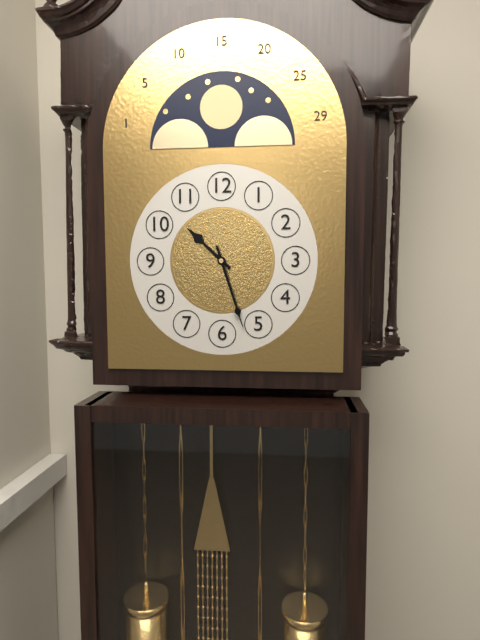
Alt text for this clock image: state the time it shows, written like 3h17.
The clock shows 10h27
